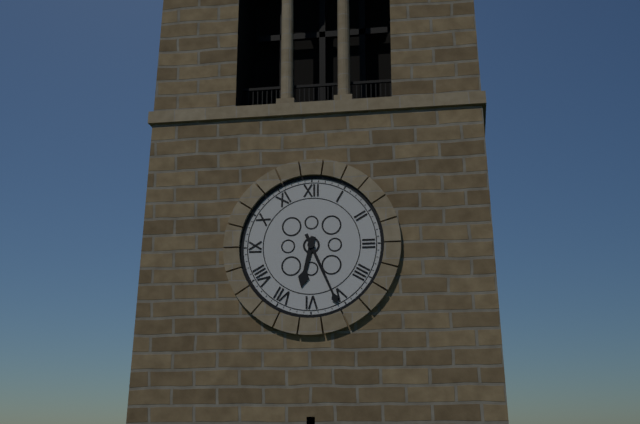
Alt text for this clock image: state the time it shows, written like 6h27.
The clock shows 6h26
